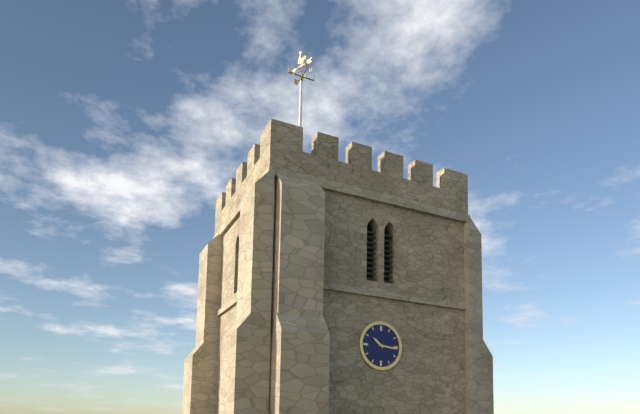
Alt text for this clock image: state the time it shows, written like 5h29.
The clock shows 10h16
